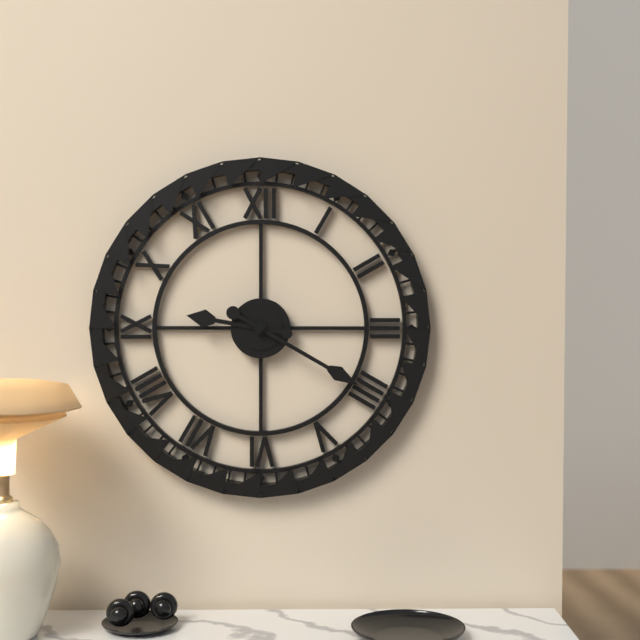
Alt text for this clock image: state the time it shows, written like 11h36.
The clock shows 9h20
